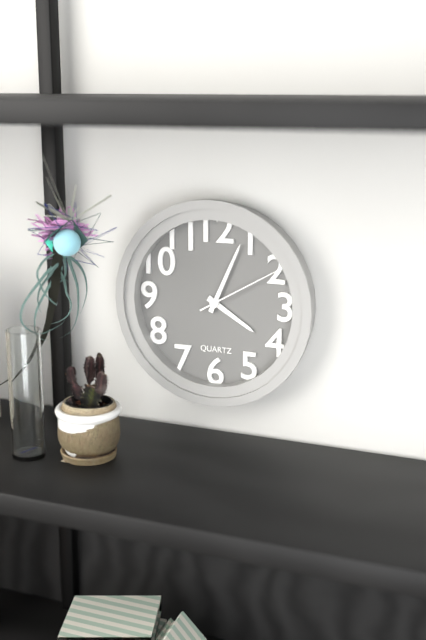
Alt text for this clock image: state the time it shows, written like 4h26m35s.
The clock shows 4h04m10s
